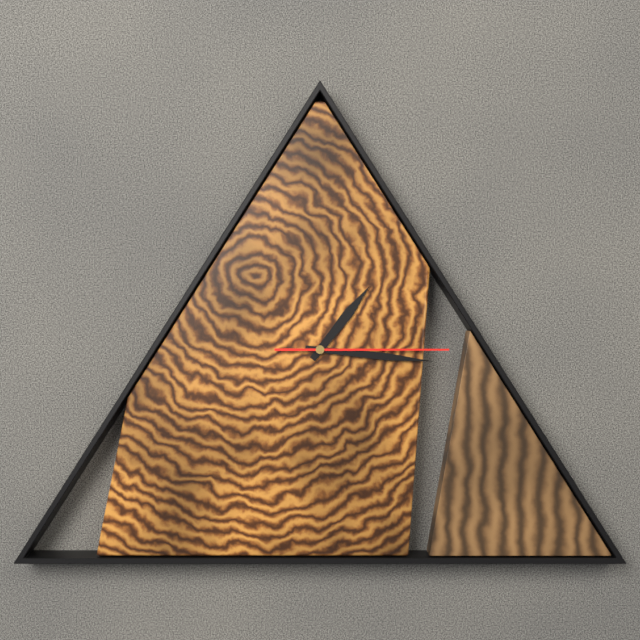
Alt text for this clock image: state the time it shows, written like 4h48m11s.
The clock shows 1h16m15s
